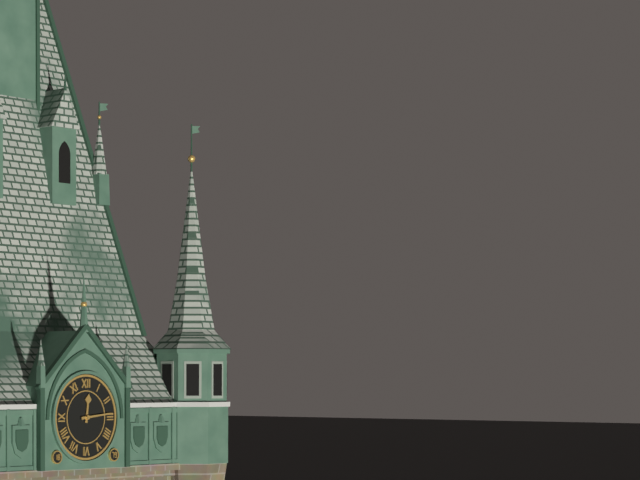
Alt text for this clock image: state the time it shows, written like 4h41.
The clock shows 12h14
